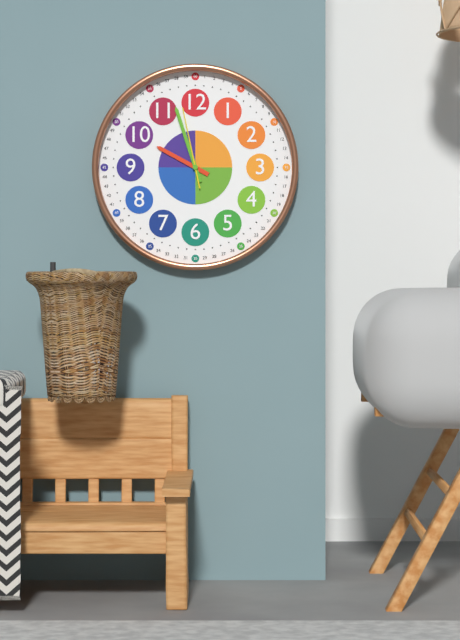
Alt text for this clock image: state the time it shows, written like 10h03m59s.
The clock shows 9h57m58s
